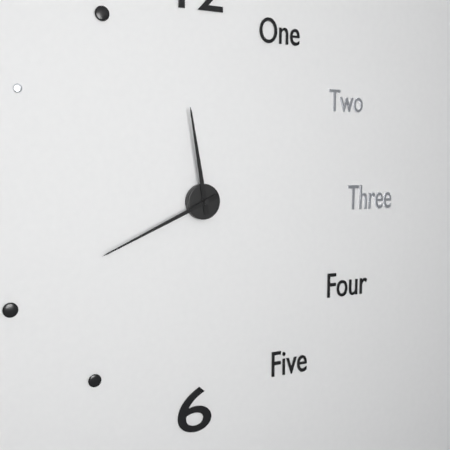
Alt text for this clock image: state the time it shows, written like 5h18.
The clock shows 11h41
